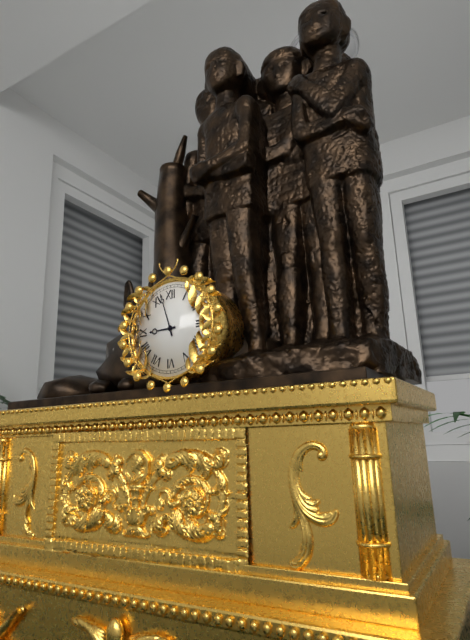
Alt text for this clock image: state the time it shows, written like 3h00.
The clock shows 8h57
